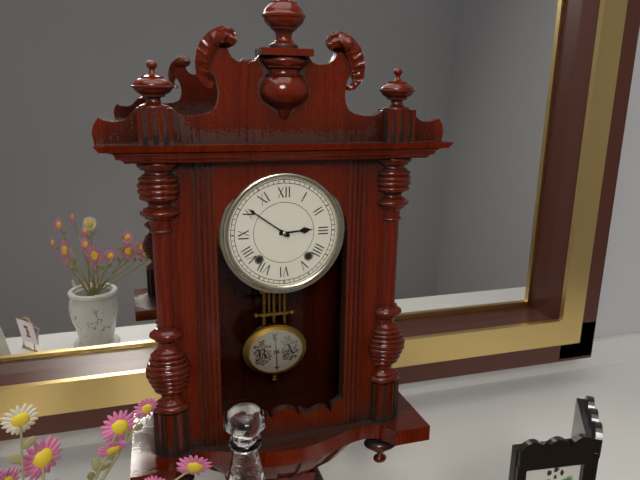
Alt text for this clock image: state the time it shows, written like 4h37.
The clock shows 2h51
